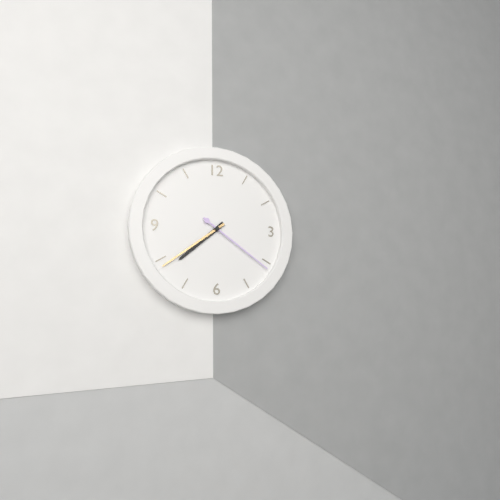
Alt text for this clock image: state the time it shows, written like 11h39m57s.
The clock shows 7h39m21s
